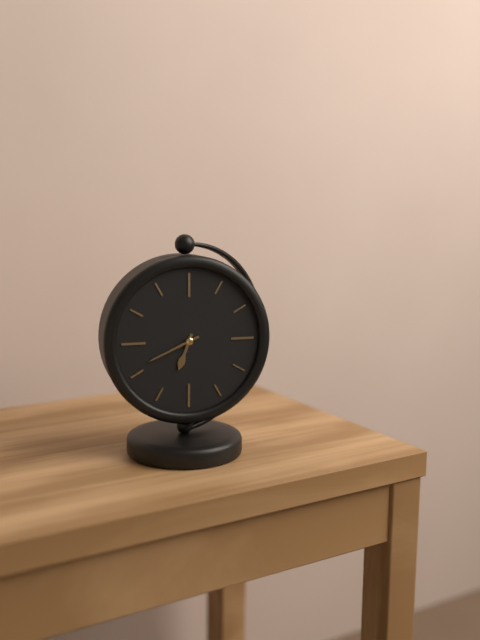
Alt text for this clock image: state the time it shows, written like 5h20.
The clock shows 6h41
